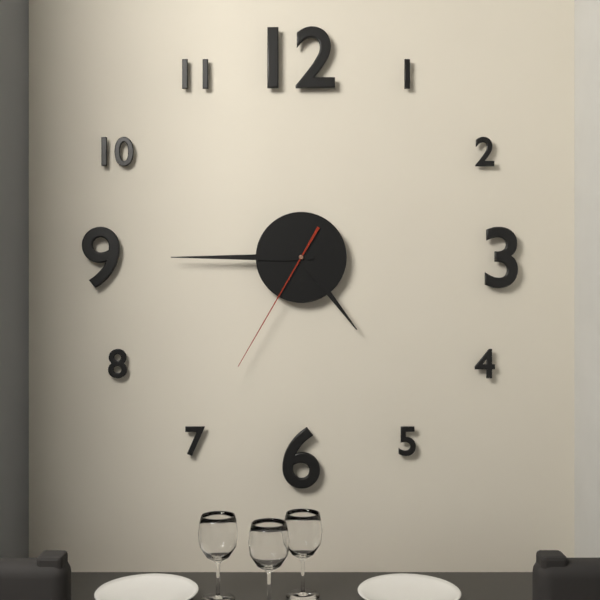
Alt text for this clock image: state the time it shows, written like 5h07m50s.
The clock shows 4h45m35s
